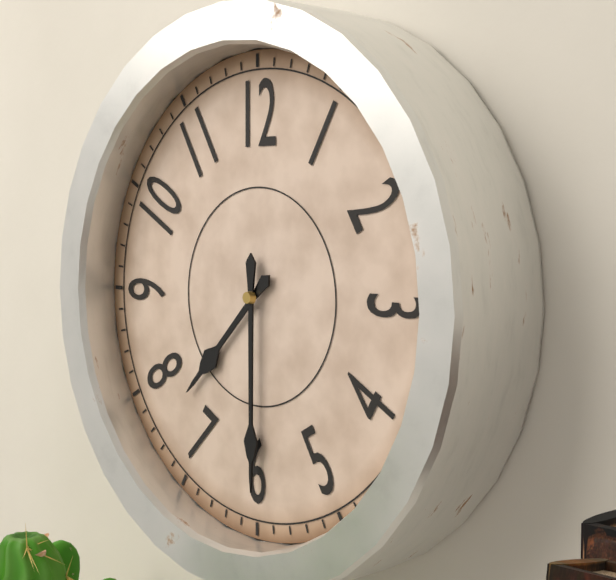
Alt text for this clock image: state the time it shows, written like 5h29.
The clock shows 7h30
